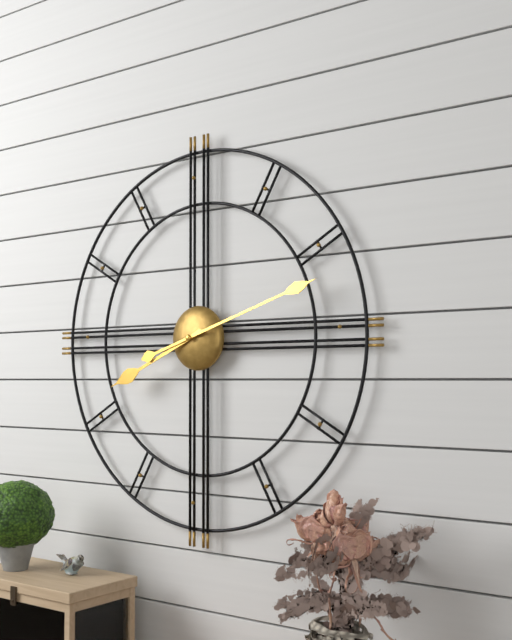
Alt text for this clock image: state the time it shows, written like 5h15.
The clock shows 8h12
